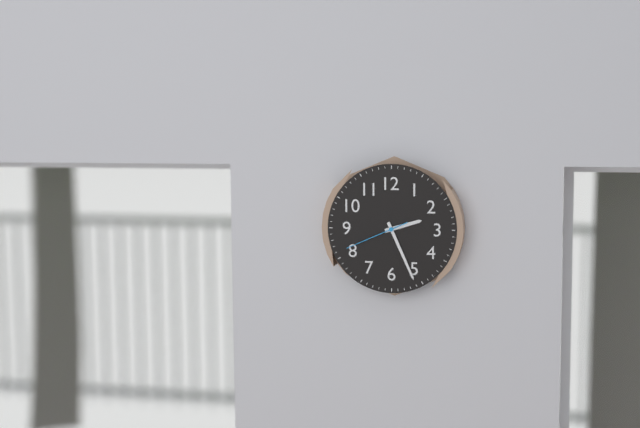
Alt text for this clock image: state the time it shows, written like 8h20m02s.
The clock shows 2h26m41s
